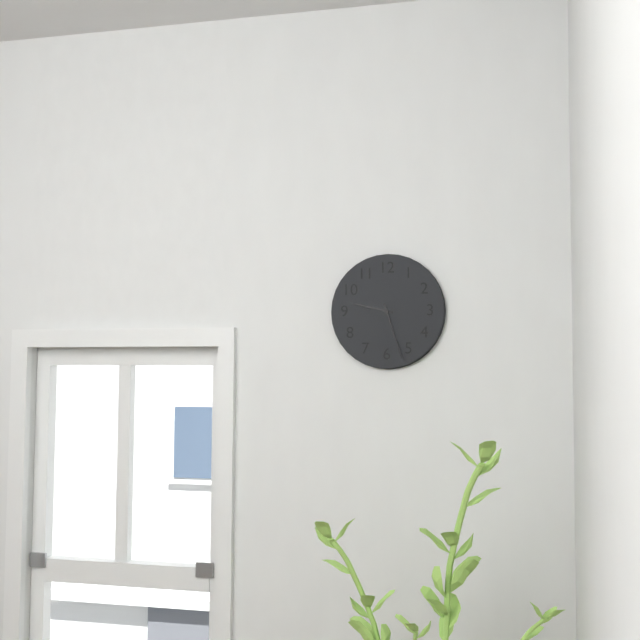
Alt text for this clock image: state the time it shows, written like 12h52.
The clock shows 9h27
